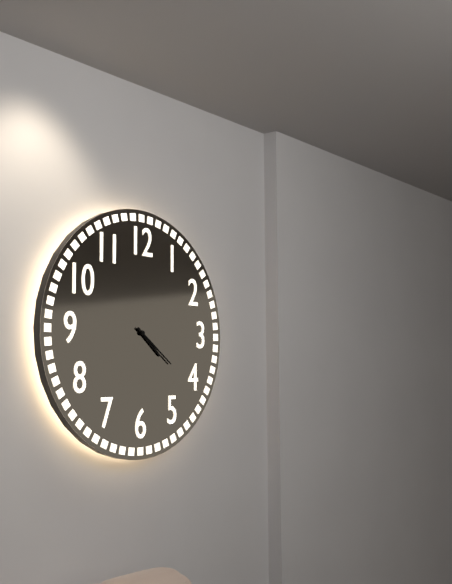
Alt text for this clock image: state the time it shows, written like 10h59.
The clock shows 4h21
